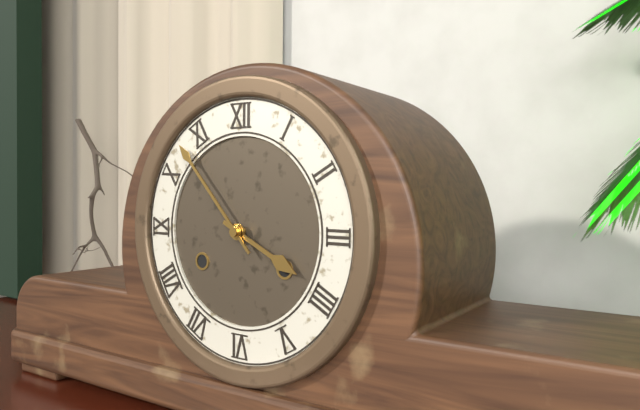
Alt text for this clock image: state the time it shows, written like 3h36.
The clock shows 3h53
